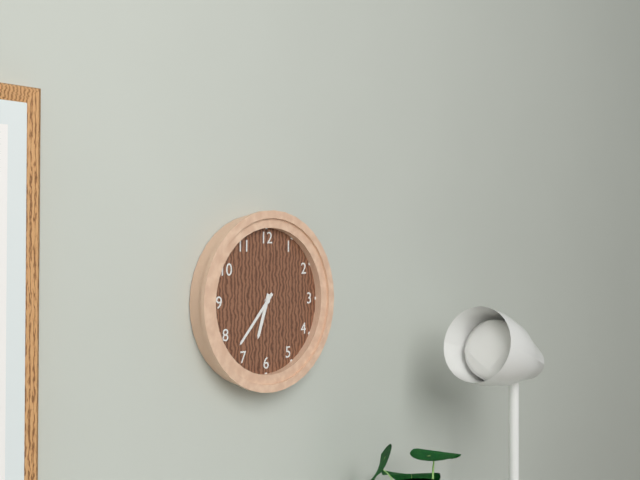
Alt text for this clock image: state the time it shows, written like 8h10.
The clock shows 6h37
